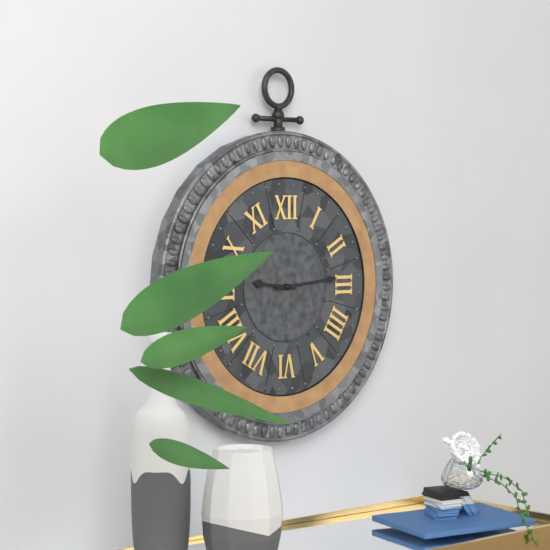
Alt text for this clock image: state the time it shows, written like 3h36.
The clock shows 9h14
